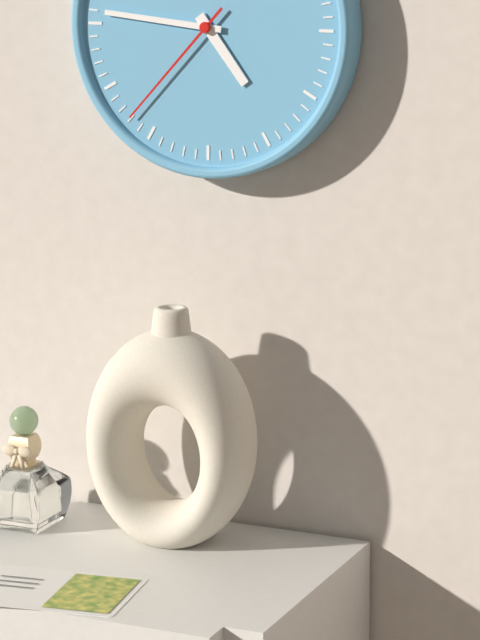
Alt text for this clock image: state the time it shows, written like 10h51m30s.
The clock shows 4h46m37s
